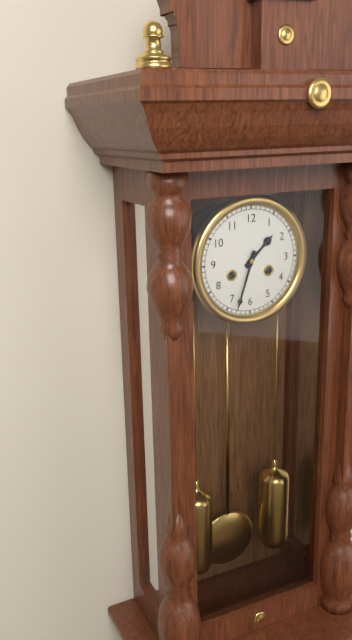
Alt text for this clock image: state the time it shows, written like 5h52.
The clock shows 1h33
